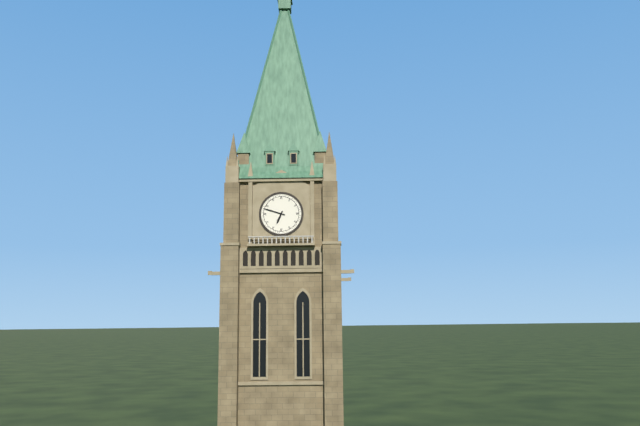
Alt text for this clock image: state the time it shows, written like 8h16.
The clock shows 6h48
